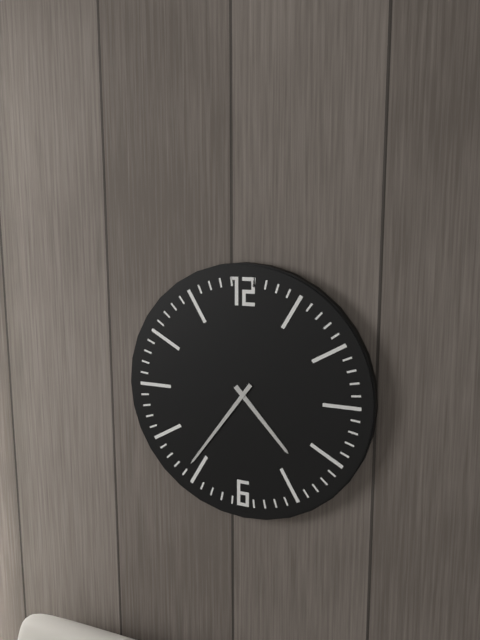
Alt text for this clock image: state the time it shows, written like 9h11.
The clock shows 4h36
